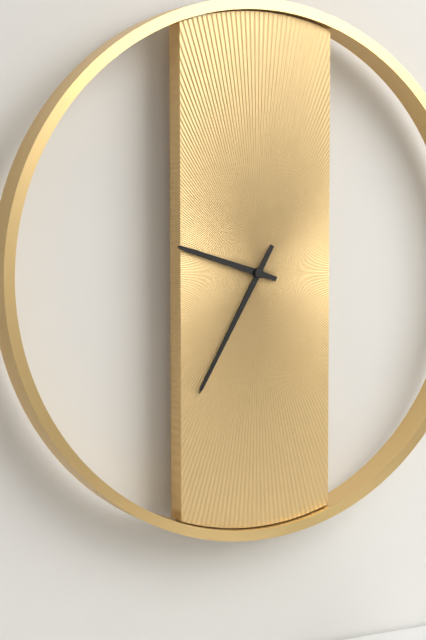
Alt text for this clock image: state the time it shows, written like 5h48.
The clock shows 9h35
